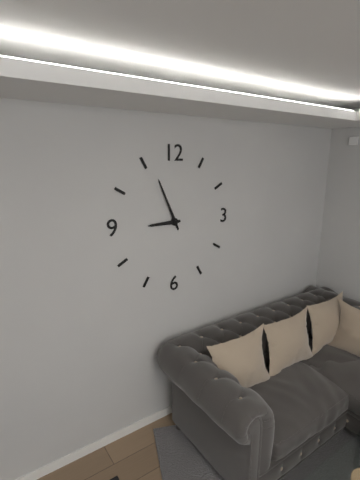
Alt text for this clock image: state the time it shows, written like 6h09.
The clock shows 8h56
